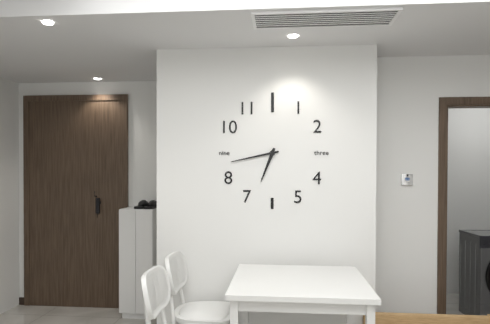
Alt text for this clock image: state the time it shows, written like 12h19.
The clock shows 6h43
